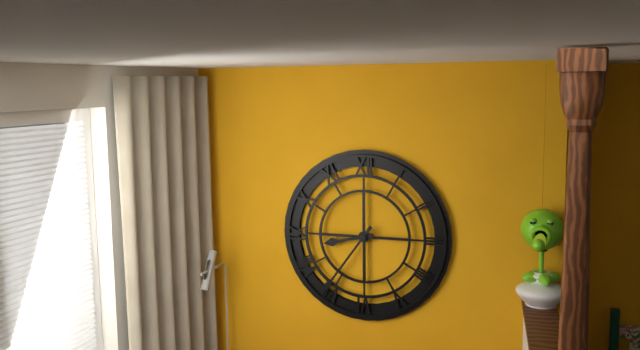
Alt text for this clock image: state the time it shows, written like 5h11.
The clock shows 8h36
